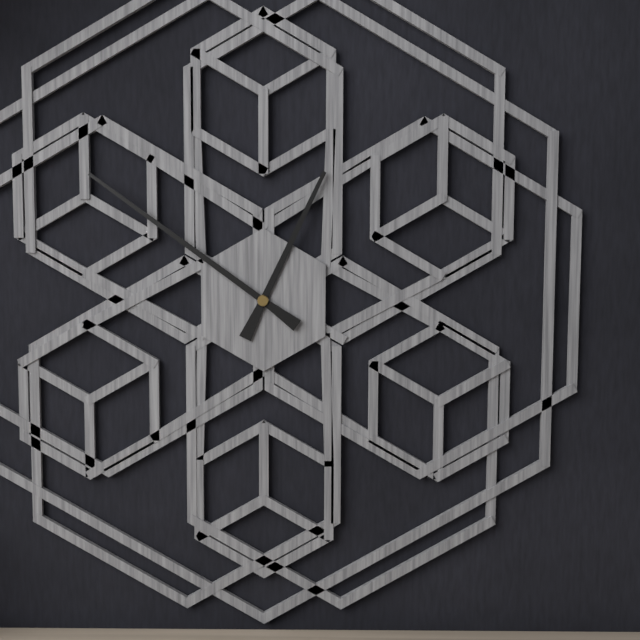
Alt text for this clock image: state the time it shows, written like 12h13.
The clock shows 12h51
